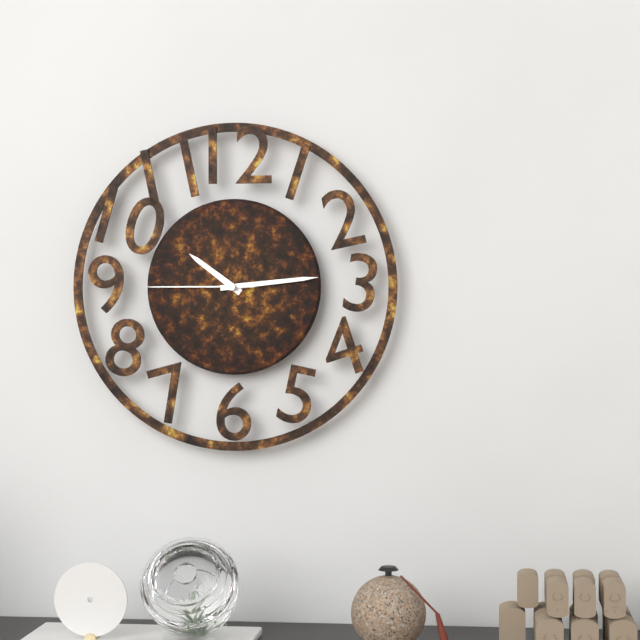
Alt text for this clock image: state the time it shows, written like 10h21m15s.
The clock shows 10h14m45s
